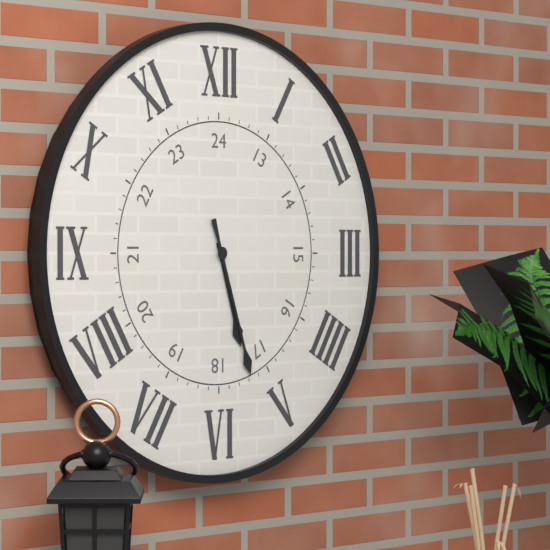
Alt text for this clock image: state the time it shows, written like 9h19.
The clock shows 5h27
